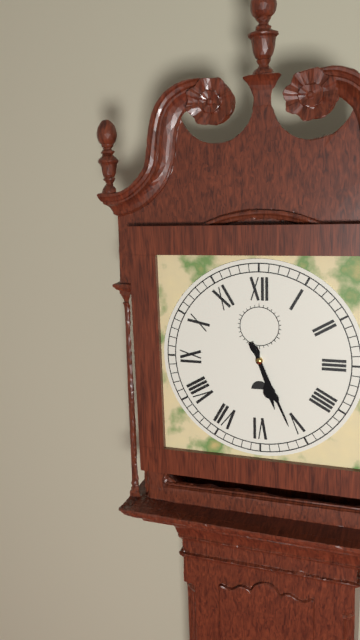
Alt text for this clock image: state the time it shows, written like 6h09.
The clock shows 5h26
